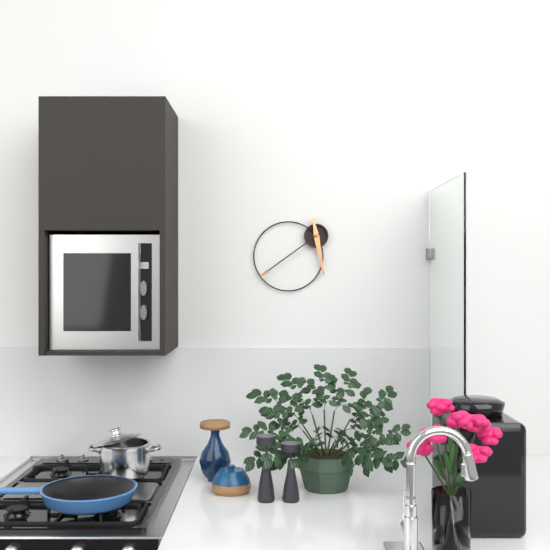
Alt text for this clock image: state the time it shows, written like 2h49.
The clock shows 5h39
